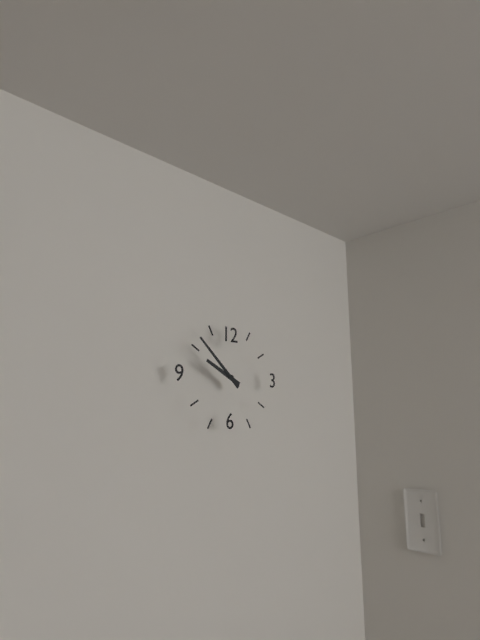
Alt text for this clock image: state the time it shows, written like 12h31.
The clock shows 9h52
